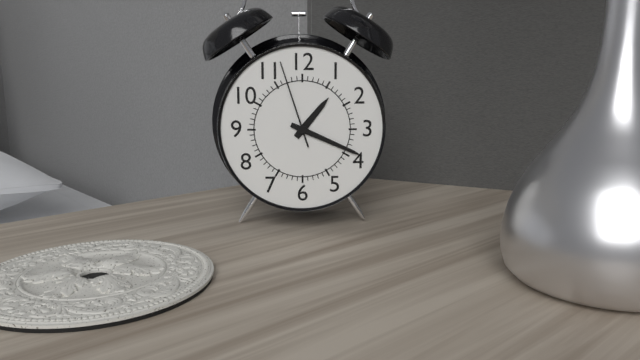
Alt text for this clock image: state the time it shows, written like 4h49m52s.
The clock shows 1h19m57s
